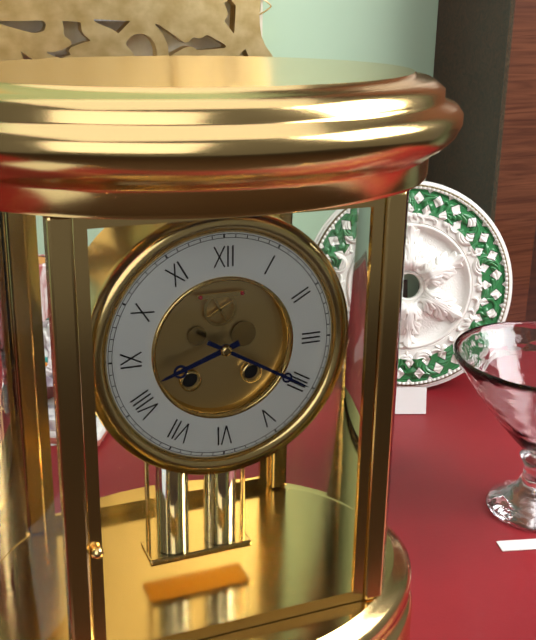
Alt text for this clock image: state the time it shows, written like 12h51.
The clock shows 8h20
